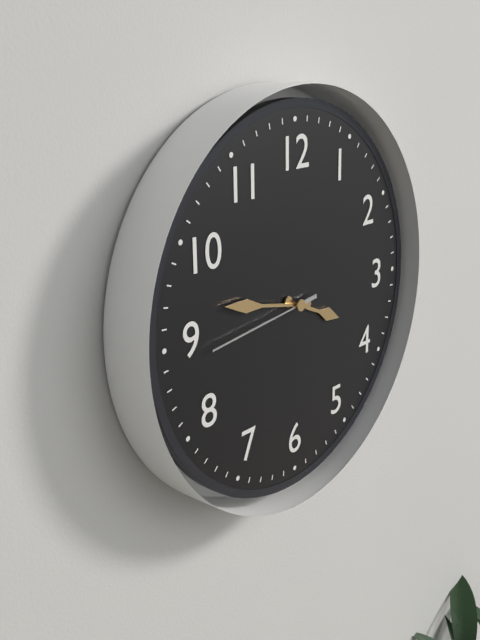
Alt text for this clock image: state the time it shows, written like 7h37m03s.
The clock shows 3h47m44s
